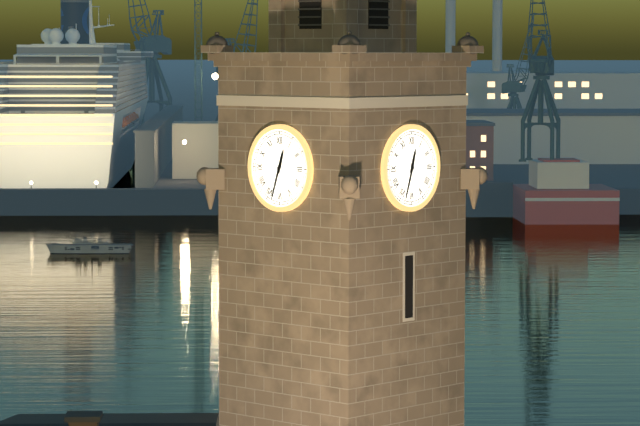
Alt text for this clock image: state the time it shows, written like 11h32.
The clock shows 12h33
